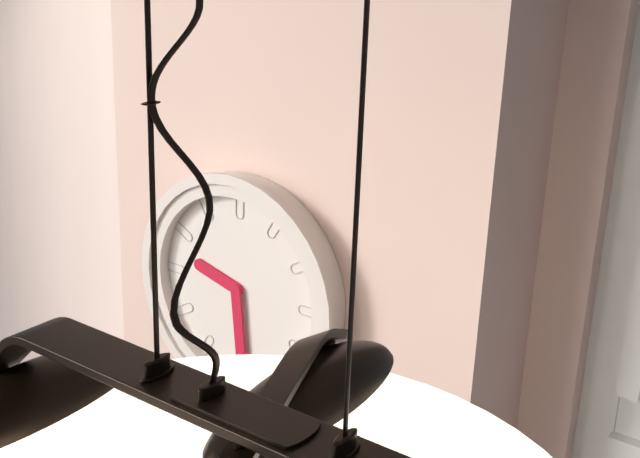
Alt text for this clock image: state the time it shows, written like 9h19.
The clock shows 9h29
